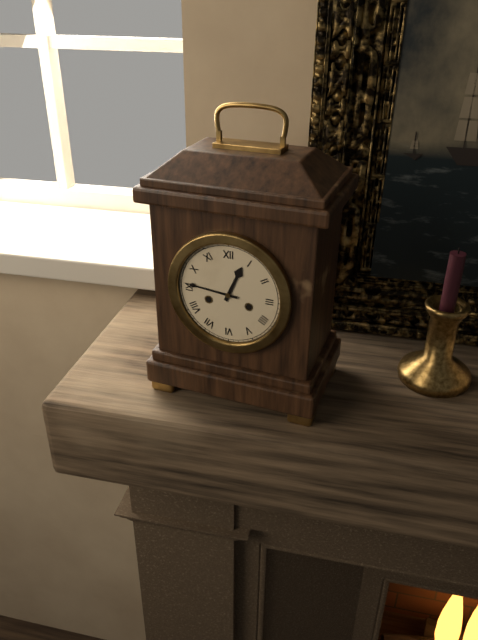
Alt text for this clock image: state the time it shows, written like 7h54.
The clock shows 12h46
